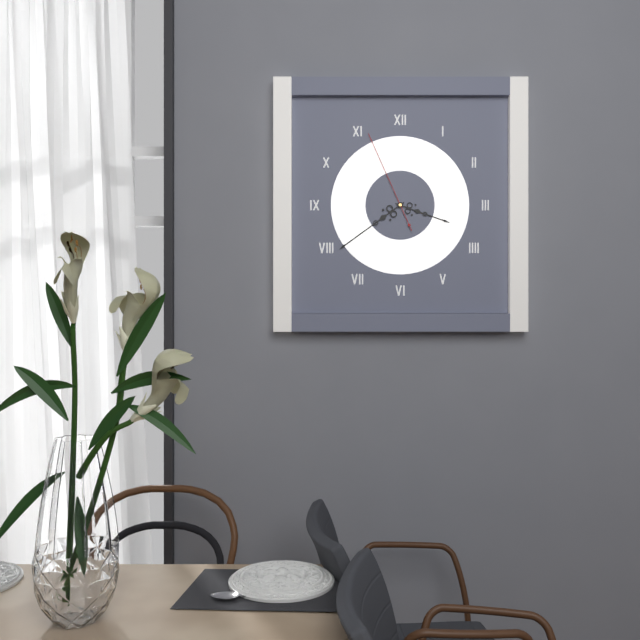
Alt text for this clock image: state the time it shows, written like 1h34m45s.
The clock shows 3h39m56s
